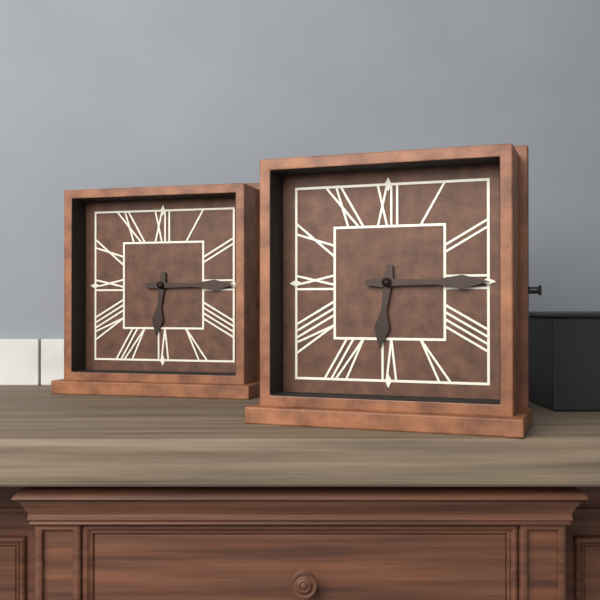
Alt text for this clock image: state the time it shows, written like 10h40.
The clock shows 6h15
